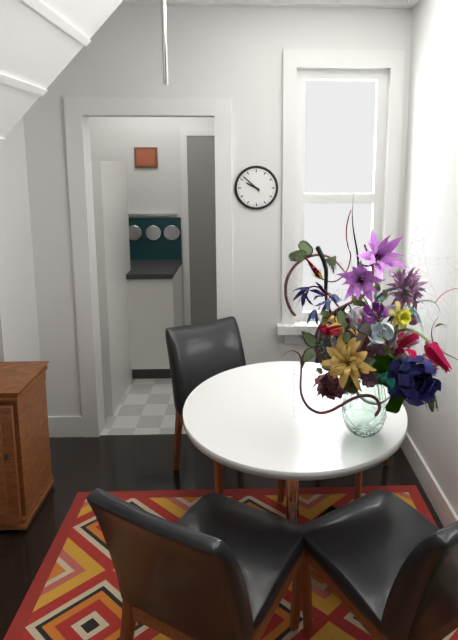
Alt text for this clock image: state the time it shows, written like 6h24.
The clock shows 9h52
